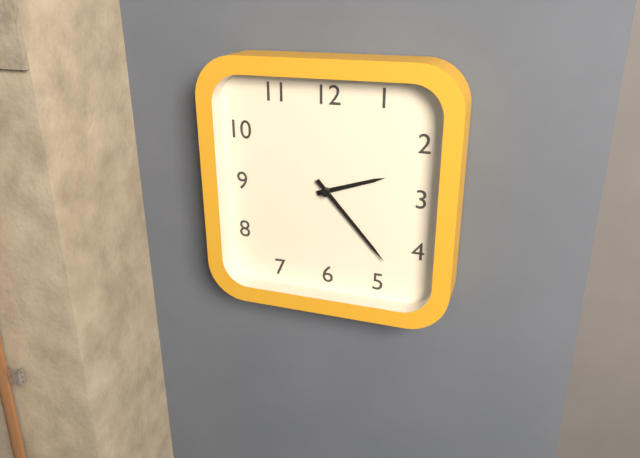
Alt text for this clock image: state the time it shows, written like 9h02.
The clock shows 2h23
